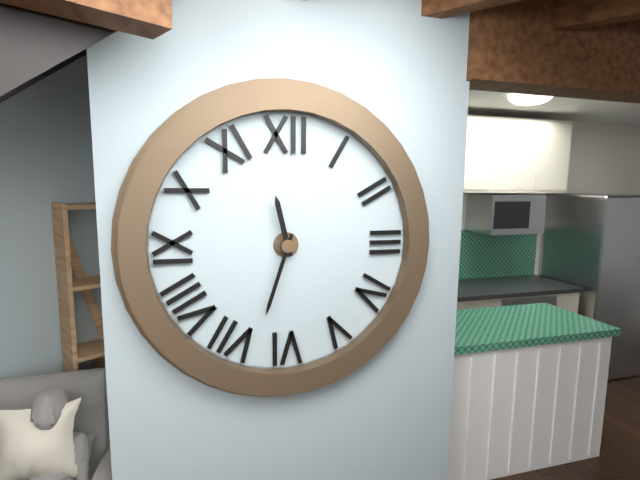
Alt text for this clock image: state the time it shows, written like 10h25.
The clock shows 11h33
